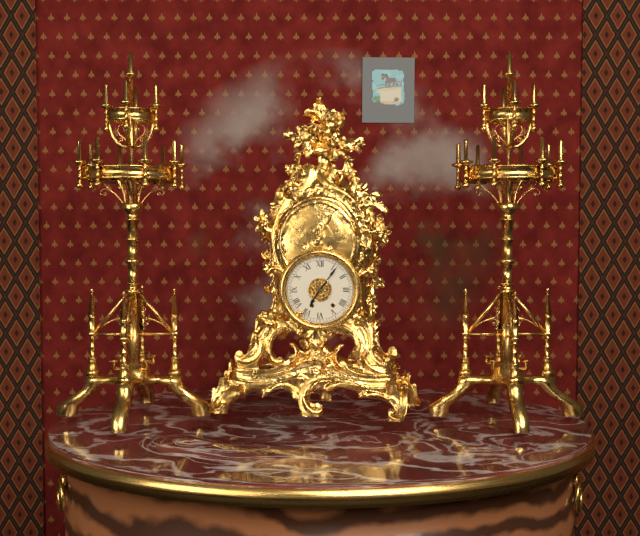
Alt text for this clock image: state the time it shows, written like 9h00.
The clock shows 7h06
